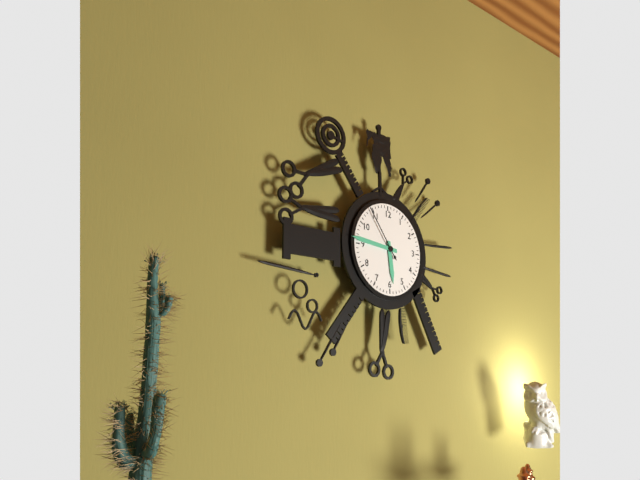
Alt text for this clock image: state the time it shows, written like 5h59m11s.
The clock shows 5h46m54s
